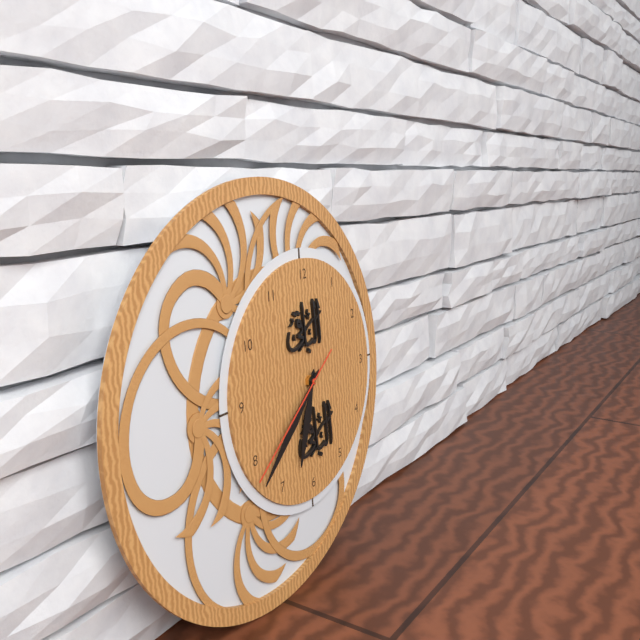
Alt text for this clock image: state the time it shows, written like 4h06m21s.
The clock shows 6h38m39s
